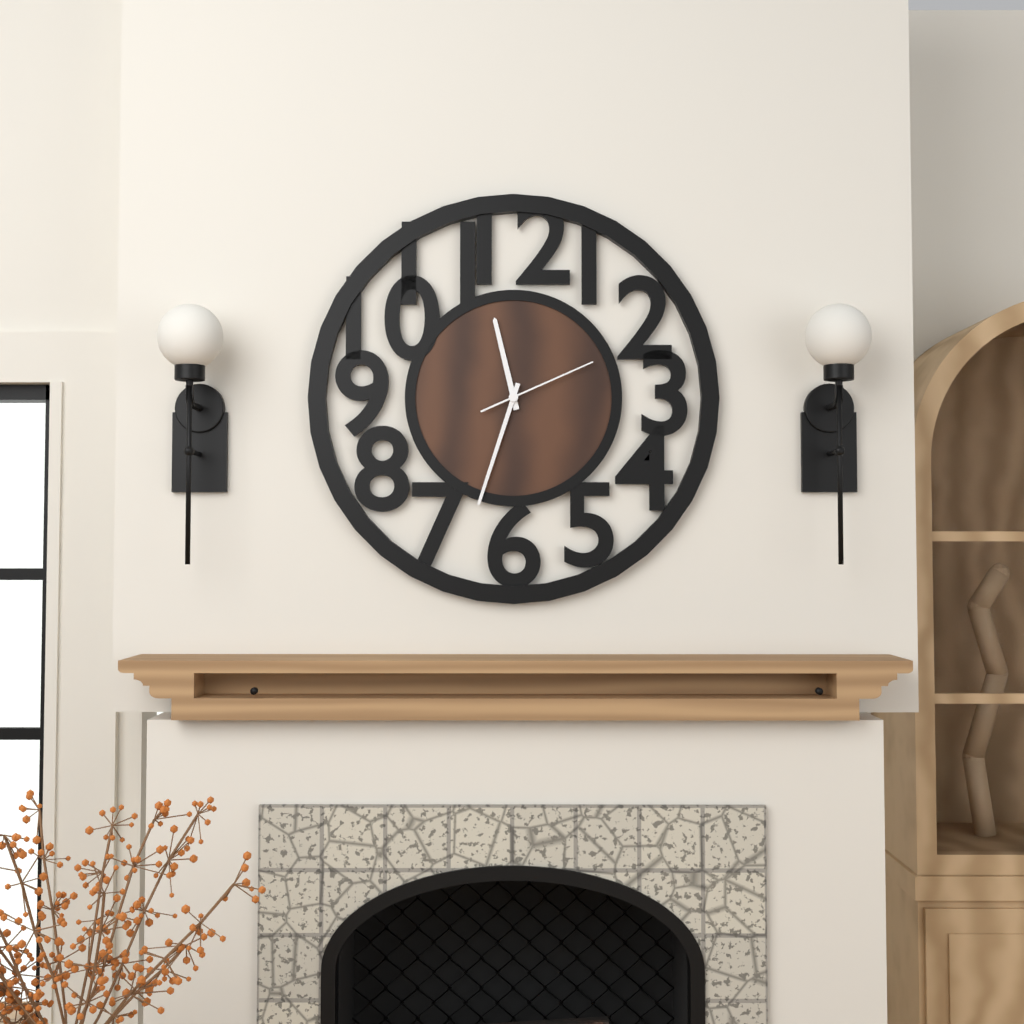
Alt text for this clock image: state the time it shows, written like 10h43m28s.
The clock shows 11h33m11s
